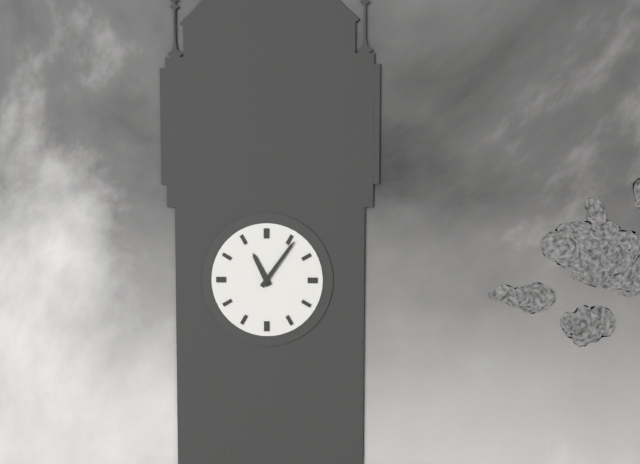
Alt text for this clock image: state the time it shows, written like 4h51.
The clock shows 11h06
